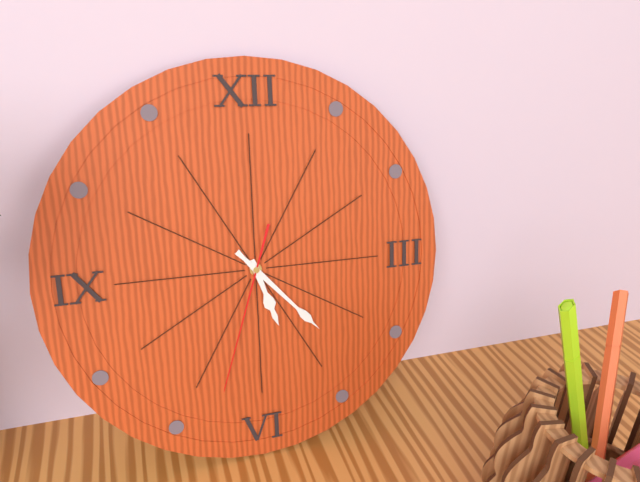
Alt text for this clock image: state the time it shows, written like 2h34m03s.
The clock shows 5h23m33s
